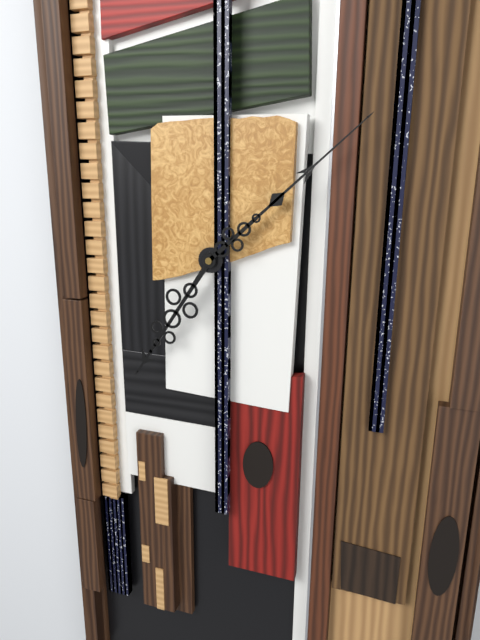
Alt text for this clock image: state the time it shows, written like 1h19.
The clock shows 7h08
